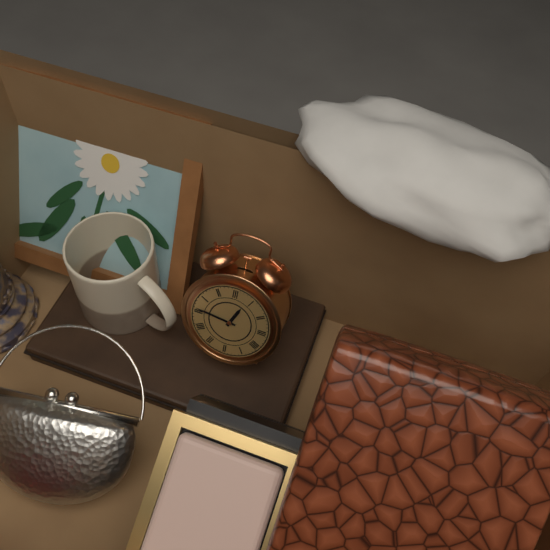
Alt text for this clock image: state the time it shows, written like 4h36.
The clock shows 12h46
